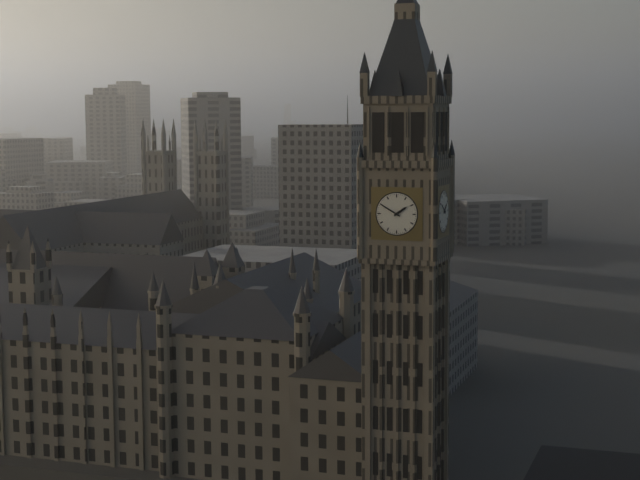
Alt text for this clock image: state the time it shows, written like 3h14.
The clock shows 1h50
